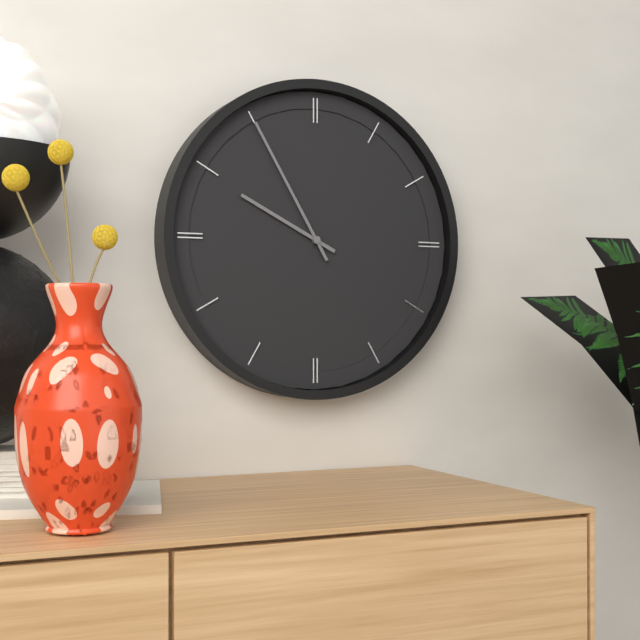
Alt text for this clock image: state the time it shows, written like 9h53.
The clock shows 9h55
